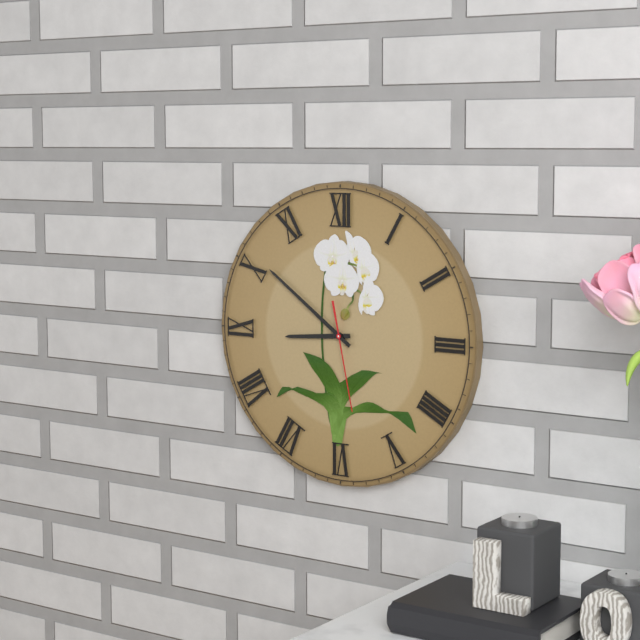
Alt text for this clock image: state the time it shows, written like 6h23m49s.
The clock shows 8h51m28s
